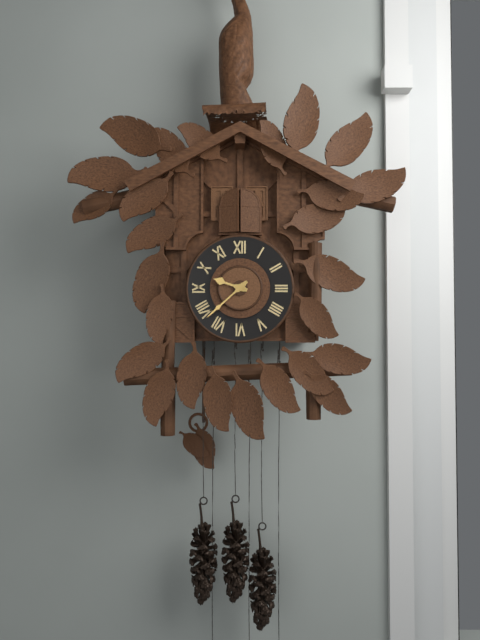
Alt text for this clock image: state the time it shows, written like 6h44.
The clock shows 9h38
